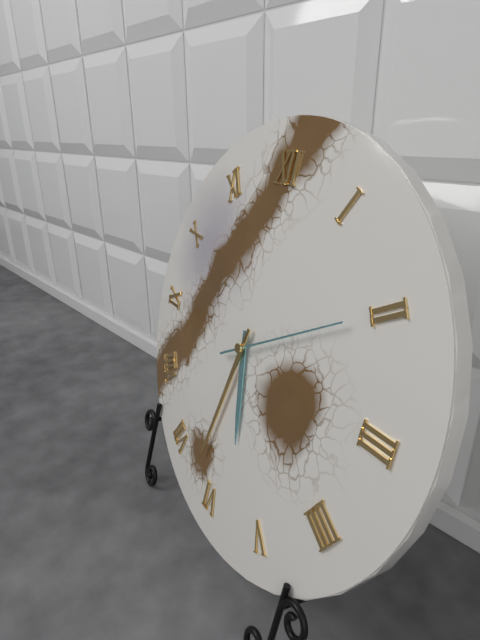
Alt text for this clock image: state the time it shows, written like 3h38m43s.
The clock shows 5h32m10s
